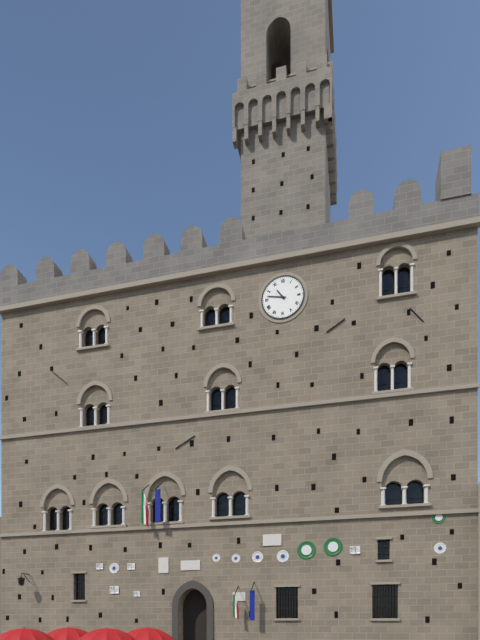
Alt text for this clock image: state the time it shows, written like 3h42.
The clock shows 10h47
